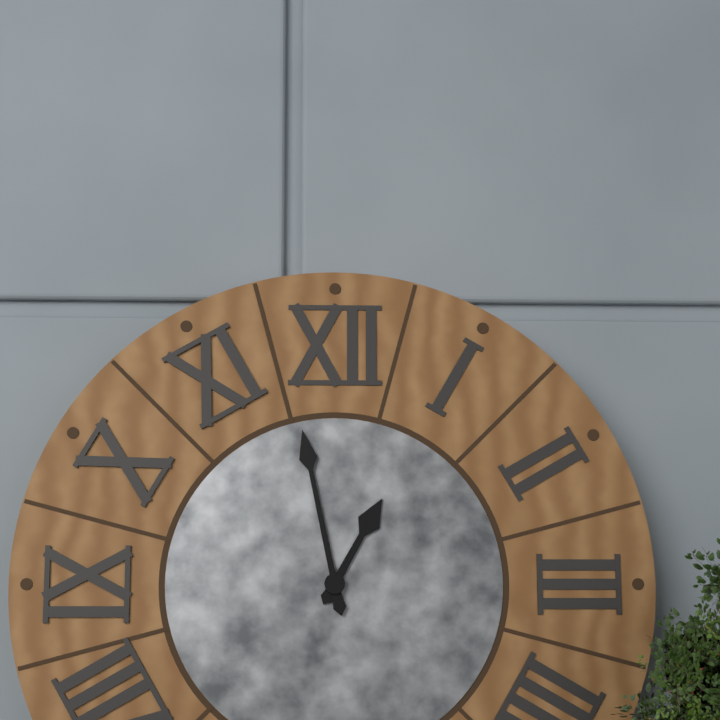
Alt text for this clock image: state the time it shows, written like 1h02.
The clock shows 12h58
